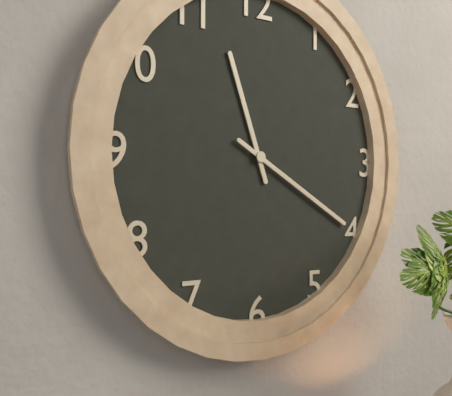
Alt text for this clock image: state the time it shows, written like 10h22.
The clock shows 11h20
